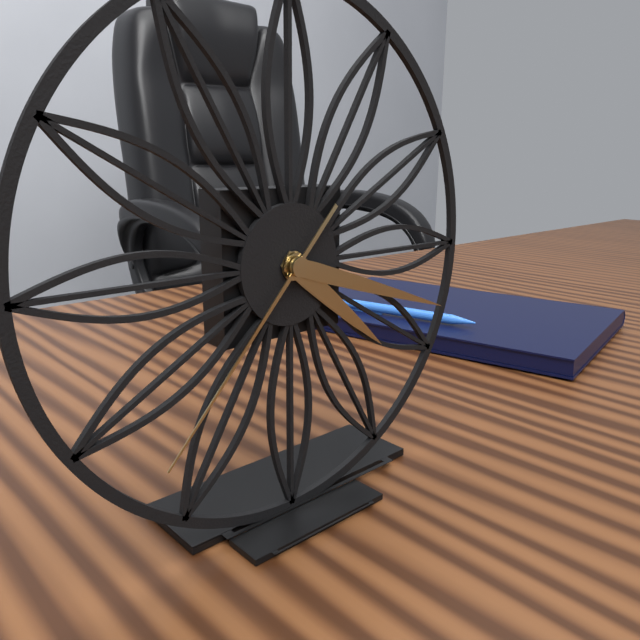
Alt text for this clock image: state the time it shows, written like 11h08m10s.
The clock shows 4h18m37s
